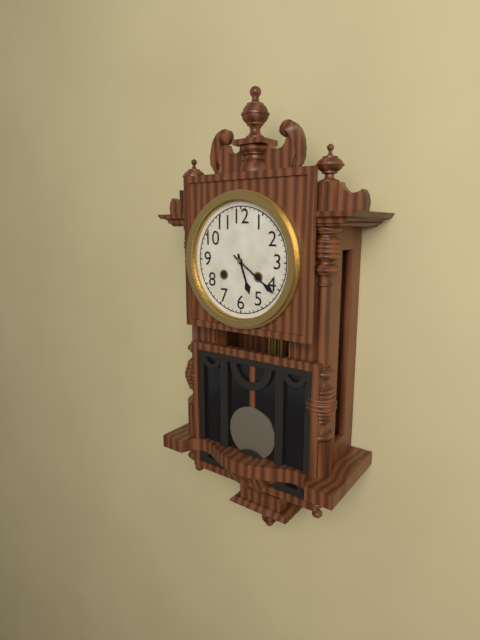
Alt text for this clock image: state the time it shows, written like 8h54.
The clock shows 5h21
